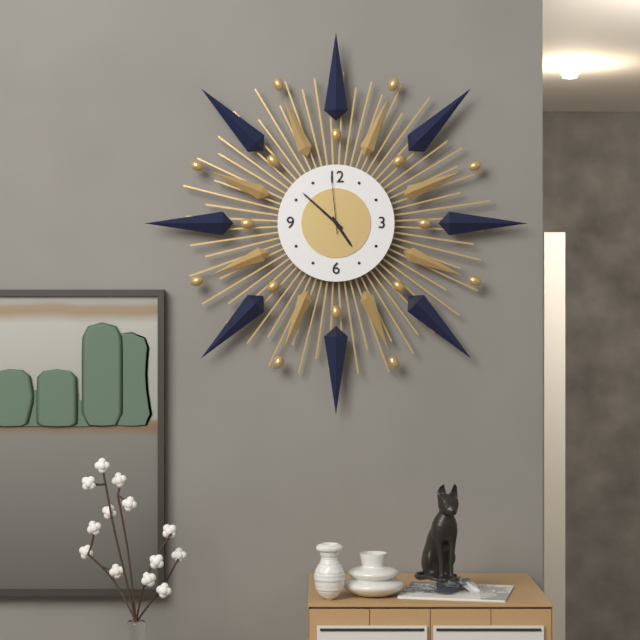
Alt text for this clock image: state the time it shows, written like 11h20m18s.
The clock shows 4h52m59s
